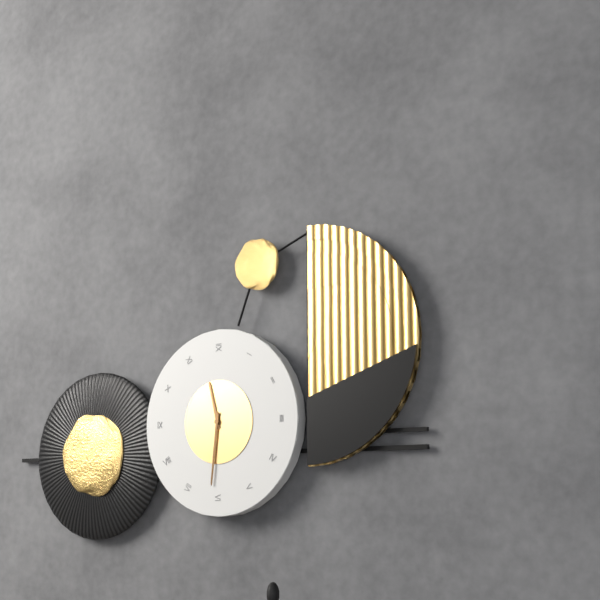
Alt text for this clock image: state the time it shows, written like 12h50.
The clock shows 11h31
